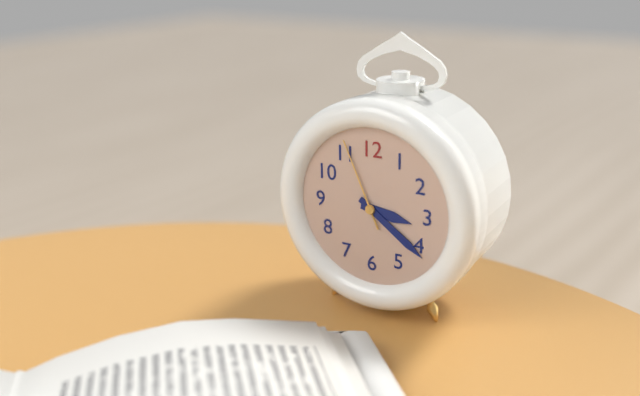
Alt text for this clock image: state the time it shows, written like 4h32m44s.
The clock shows 3h21m56s
